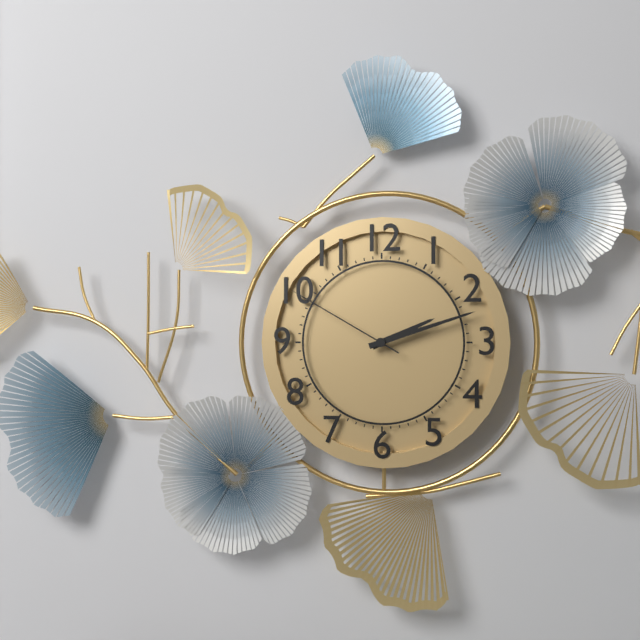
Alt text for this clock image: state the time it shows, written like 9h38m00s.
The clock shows 2h12m50s
